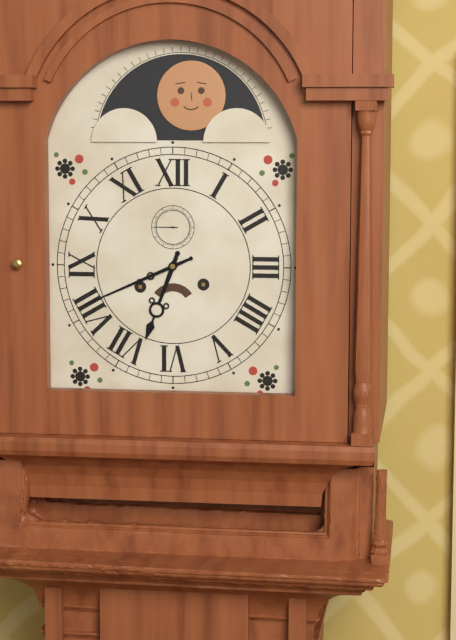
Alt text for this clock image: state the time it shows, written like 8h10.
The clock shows 6h41
